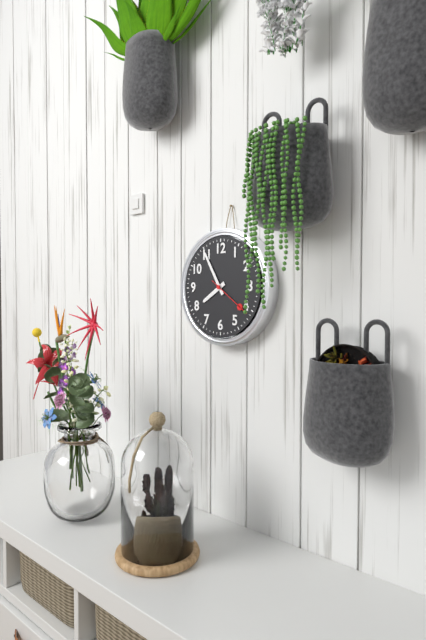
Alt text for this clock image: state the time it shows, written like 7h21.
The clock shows 7h55
